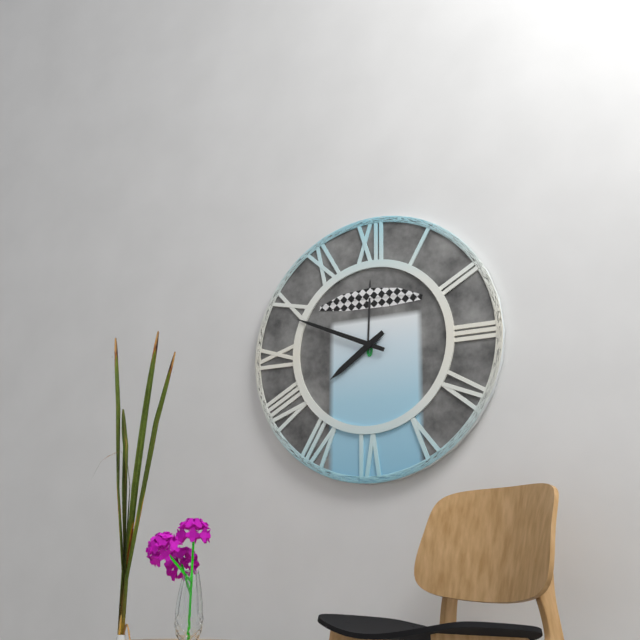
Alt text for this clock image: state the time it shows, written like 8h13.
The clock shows 7h49
